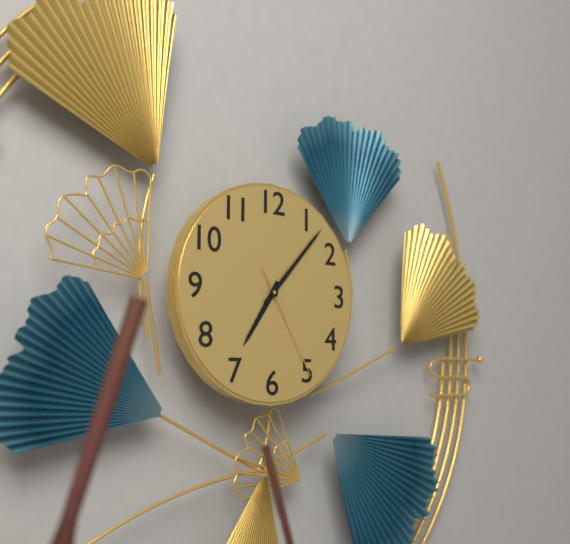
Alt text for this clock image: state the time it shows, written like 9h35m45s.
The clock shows 7h07m25s
